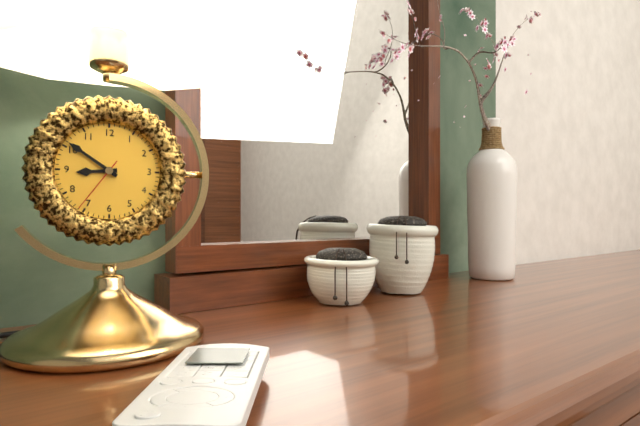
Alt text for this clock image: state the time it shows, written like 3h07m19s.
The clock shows 8h51m36s
